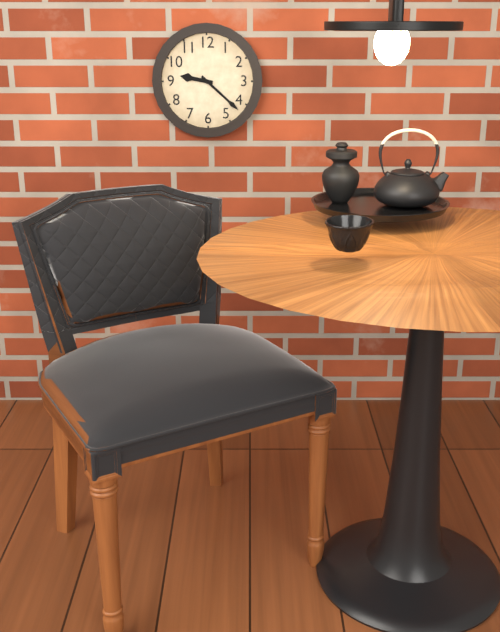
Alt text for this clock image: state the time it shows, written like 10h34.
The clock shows 9h22
